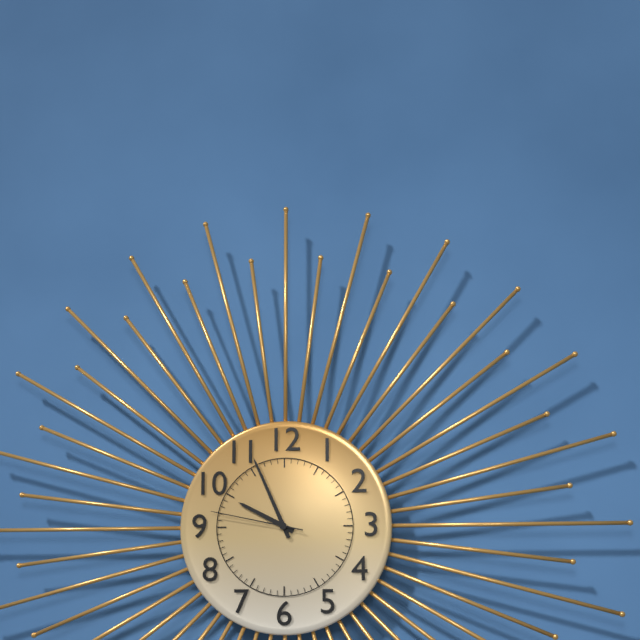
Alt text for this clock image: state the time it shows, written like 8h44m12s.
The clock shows 9h56m47s
